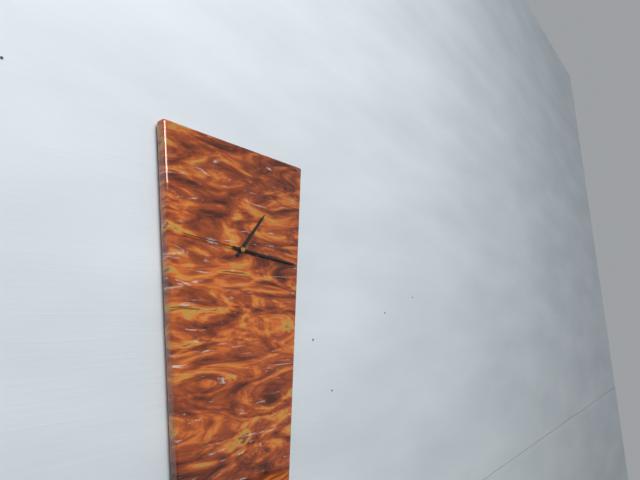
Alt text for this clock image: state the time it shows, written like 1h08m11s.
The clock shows 1h16m46s
